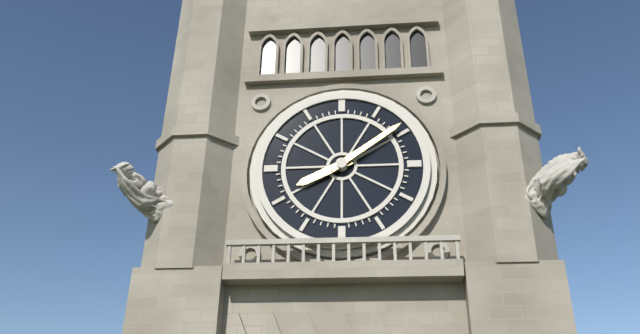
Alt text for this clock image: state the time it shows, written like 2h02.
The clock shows 8h09
